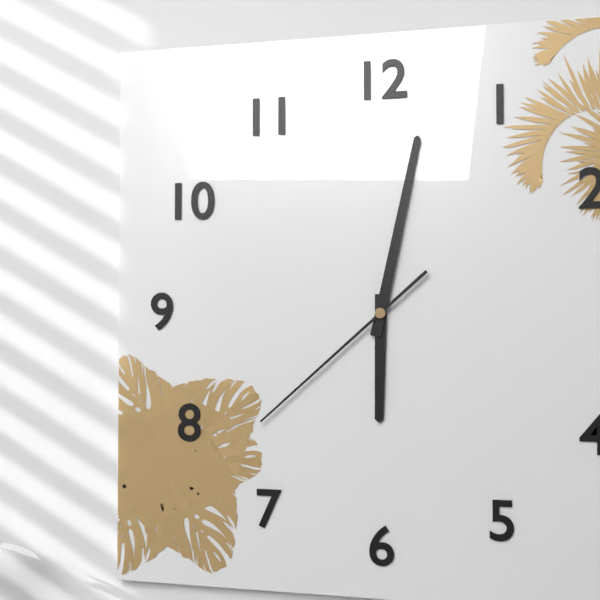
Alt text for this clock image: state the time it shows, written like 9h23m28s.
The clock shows 6h02m38s
